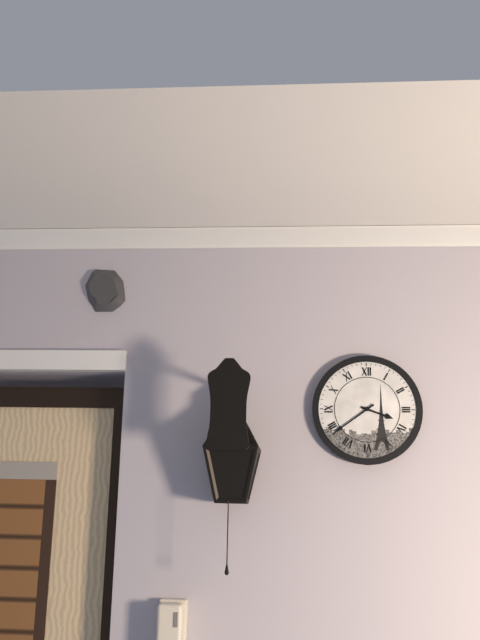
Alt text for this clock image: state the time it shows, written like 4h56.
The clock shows 3h39
